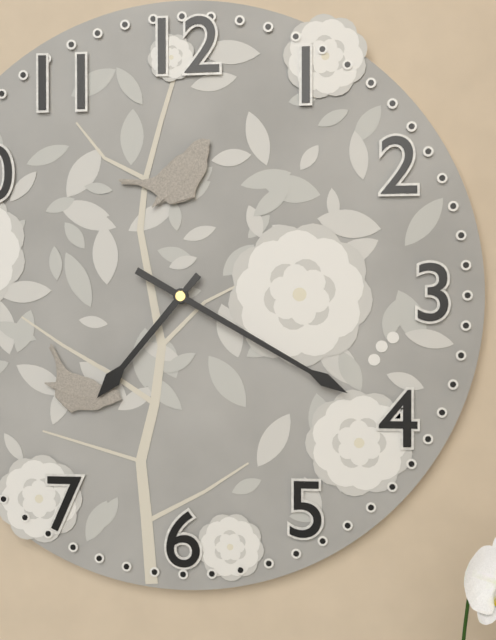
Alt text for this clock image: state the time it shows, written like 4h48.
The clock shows 7h20
